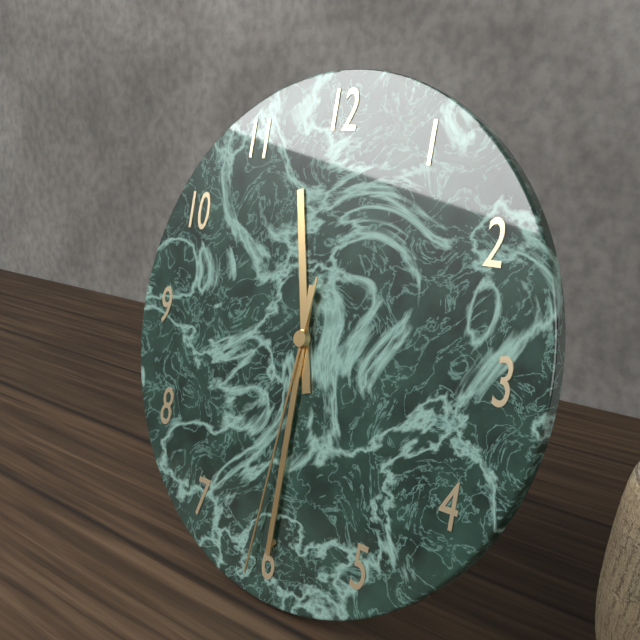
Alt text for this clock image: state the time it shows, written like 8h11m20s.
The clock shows 11h30m31s
